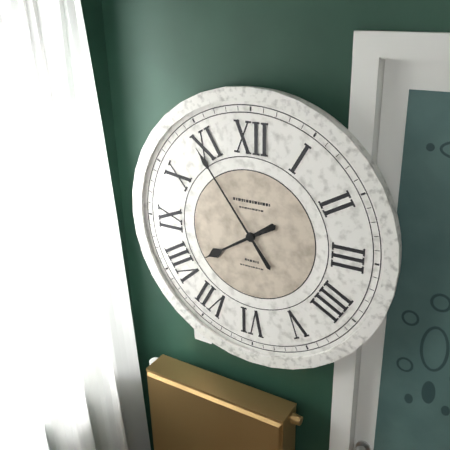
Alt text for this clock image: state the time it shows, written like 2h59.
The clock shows 7h54
